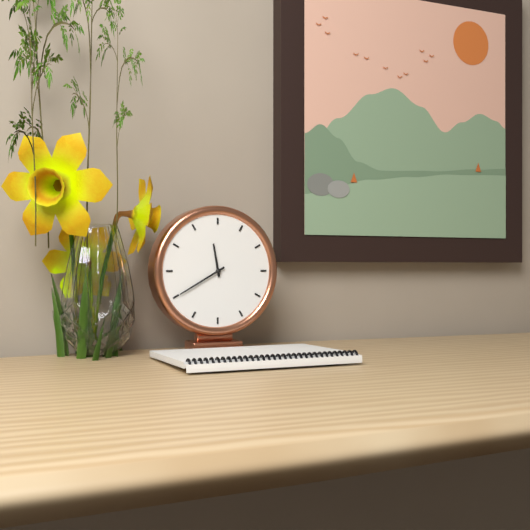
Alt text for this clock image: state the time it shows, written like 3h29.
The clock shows 11h40
